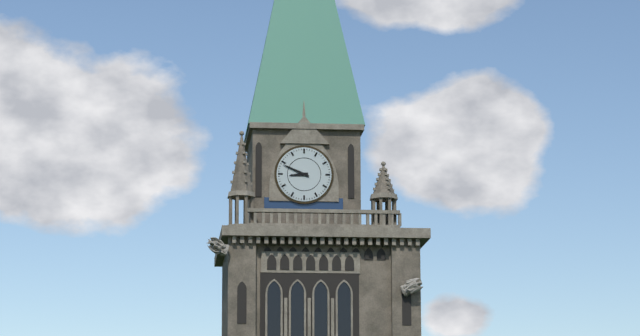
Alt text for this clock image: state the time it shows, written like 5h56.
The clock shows 8h49
